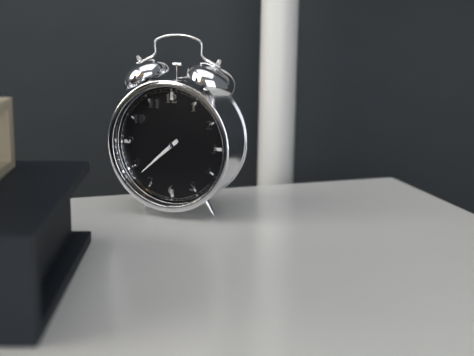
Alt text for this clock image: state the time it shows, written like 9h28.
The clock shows 7h38
